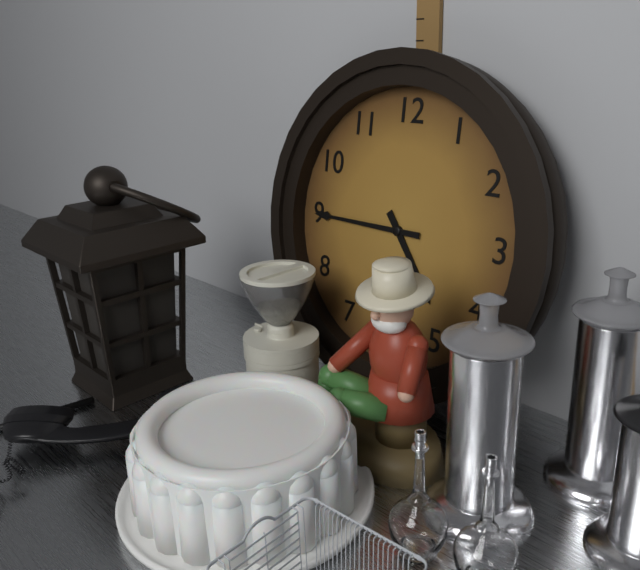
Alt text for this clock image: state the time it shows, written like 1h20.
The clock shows 4h45
